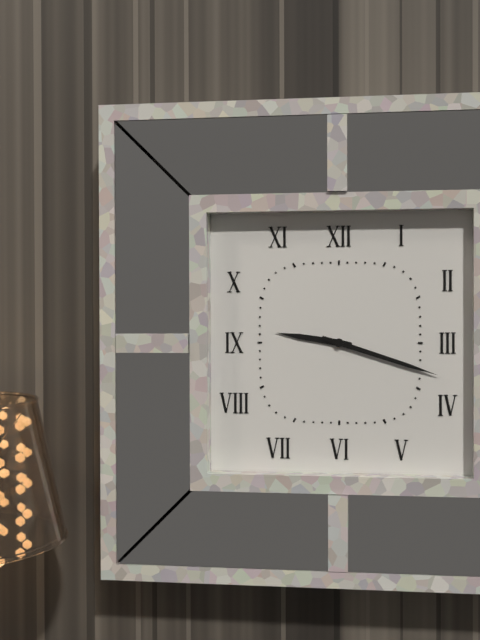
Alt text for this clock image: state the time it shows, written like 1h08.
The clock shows 9h18
